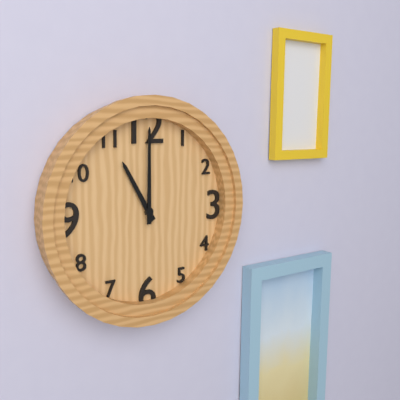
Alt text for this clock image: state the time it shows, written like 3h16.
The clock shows 11h00
